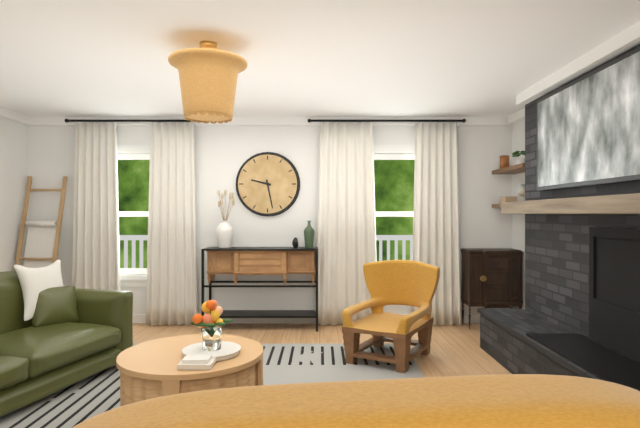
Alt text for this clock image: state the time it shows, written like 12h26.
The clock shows 9h28
